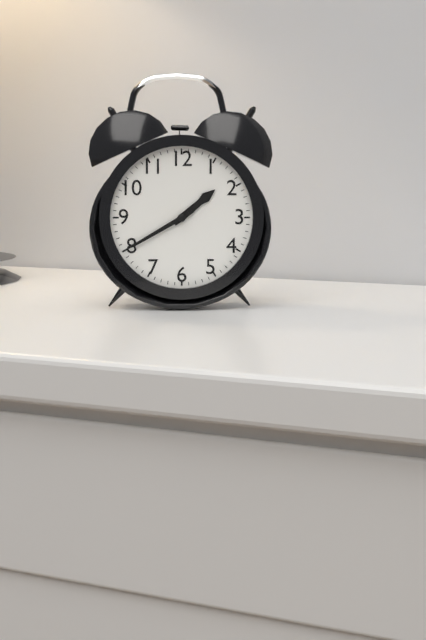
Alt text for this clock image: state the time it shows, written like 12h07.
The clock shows 1h40
